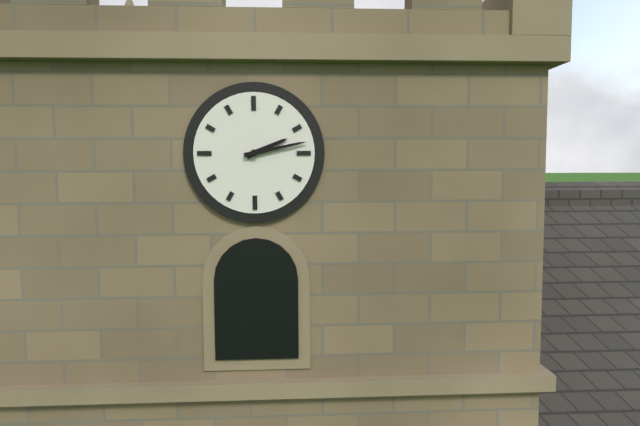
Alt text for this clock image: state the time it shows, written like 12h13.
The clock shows 2h13
